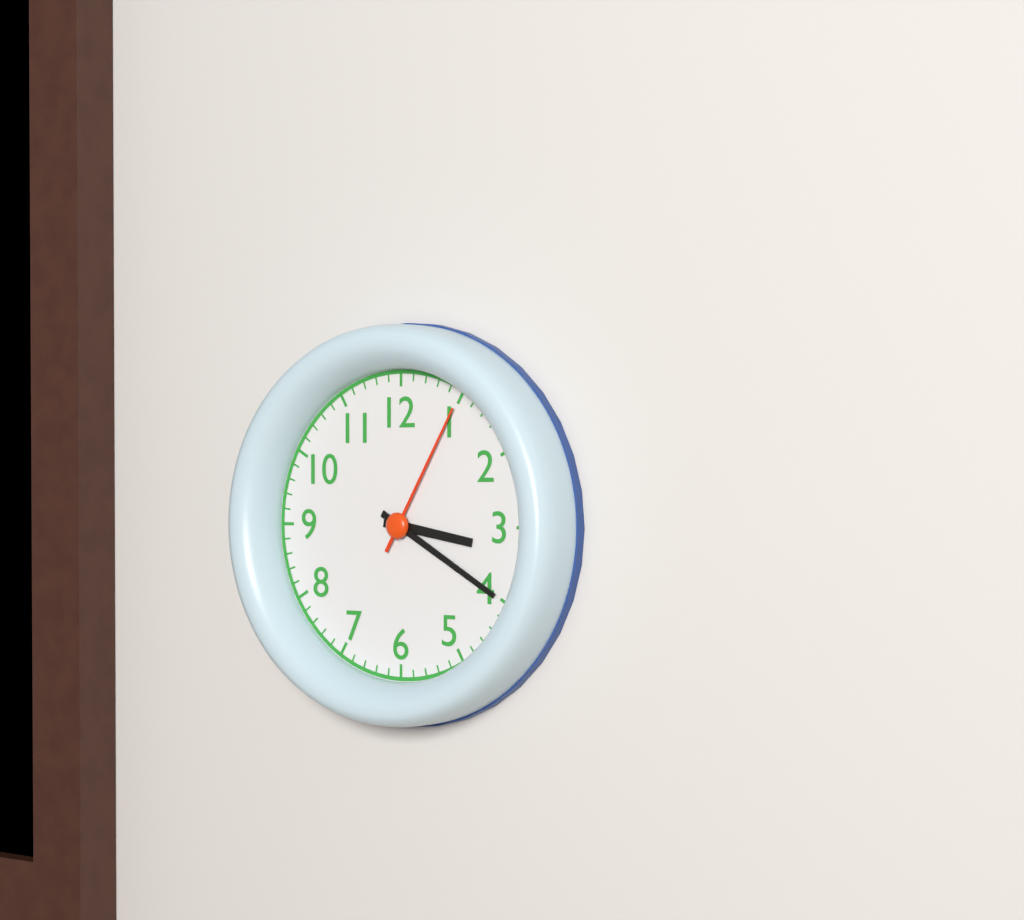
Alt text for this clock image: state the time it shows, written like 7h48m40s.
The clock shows 3h20m05s
